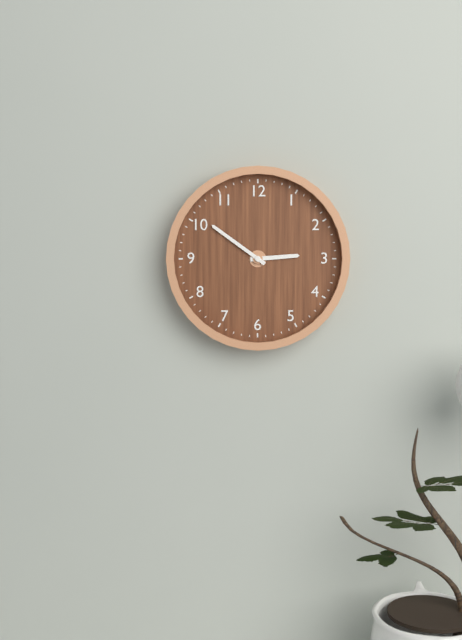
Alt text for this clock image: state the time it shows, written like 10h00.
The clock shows 2h51
